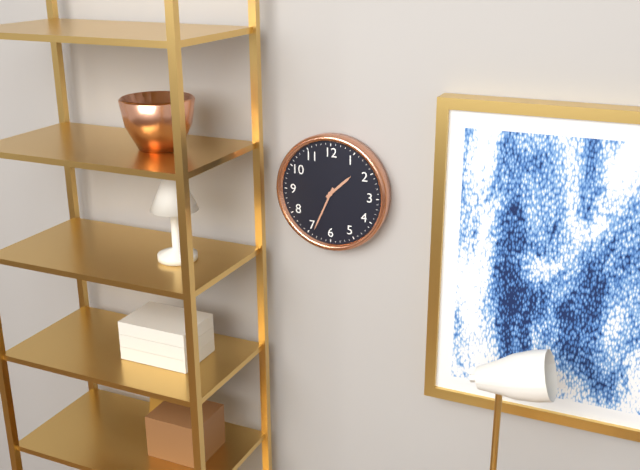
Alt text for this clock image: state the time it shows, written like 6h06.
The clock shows 1h34
